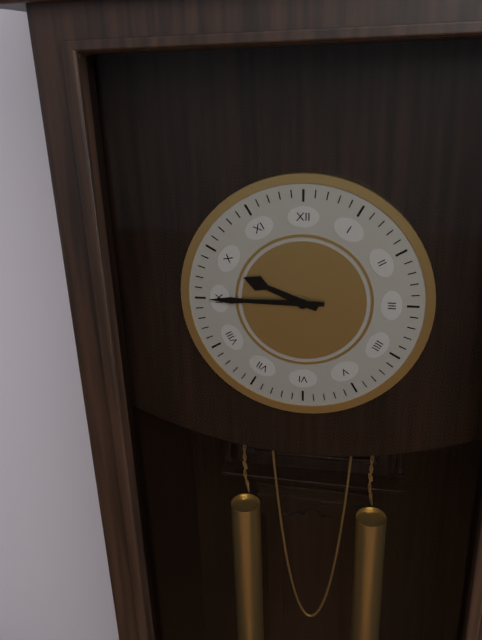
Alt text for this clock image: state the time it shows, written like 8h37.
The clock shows 9h45
